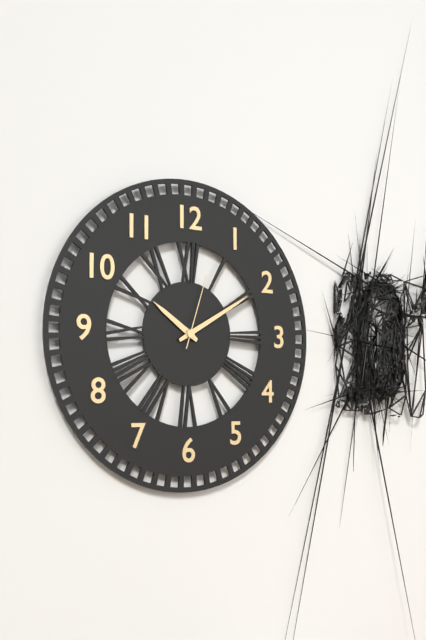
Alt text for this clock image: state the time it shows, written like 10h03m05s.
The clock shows 10h10m03s
